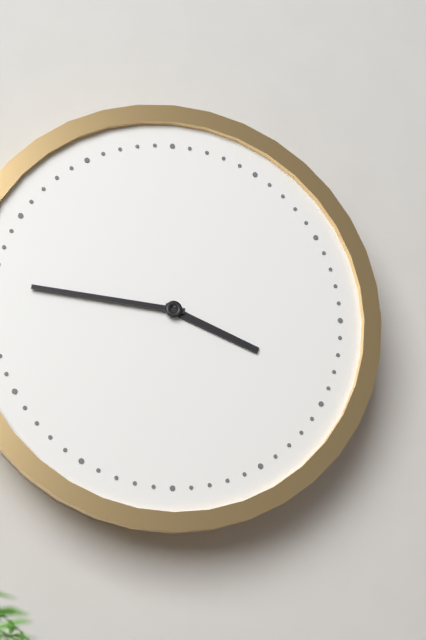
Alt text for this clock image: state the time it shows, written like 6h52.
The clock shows 3h46
